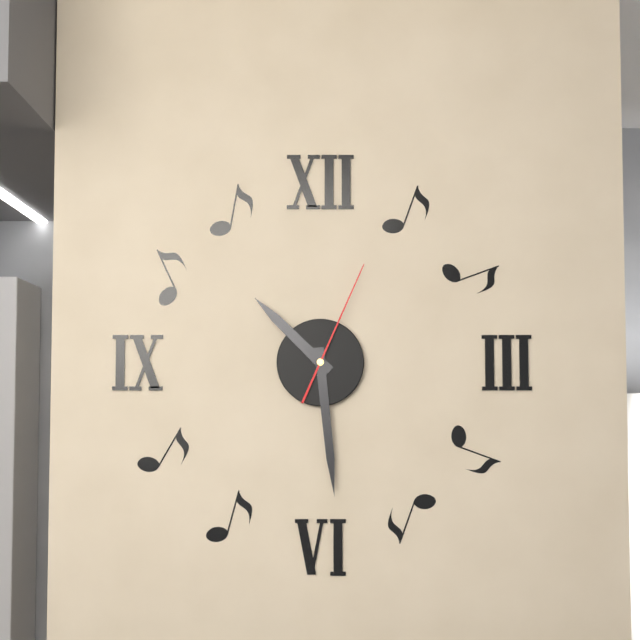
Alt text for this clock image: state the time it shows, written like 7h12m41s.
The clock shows 10h29m04s
